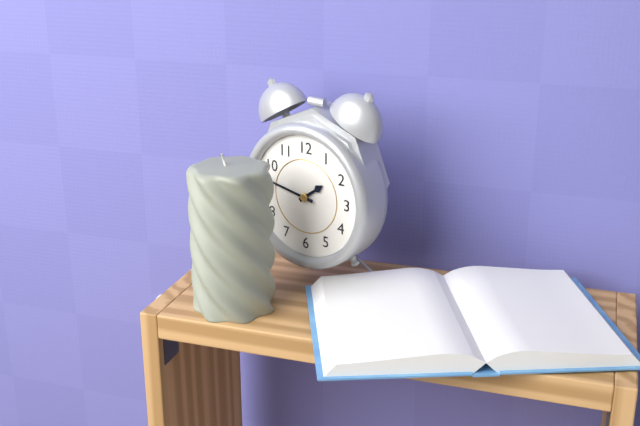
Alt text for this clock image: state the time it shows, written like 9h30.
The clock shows 1h47
